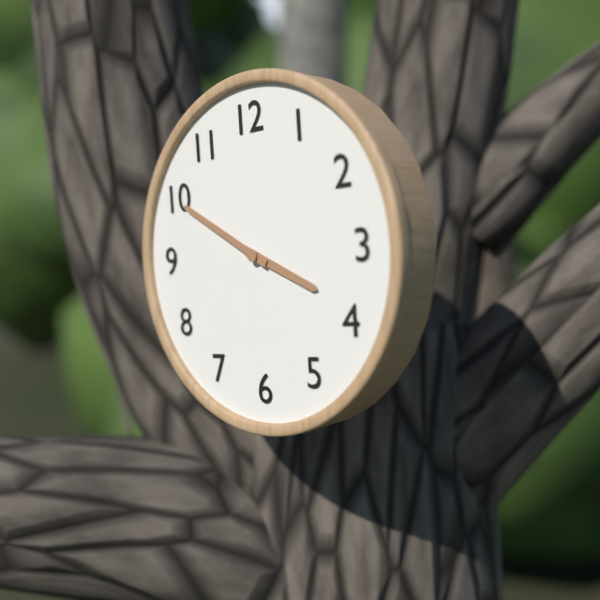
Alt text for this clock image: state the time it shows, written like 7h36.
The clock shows 3h50
